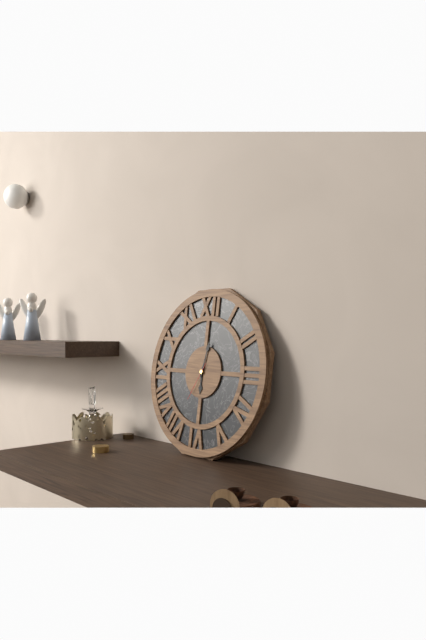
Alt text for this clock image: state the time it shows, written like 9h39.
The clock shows 6h02
